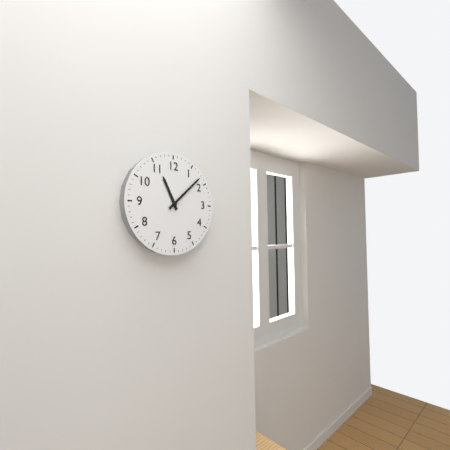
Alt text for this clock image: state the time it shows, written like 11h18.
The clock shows 11h08
